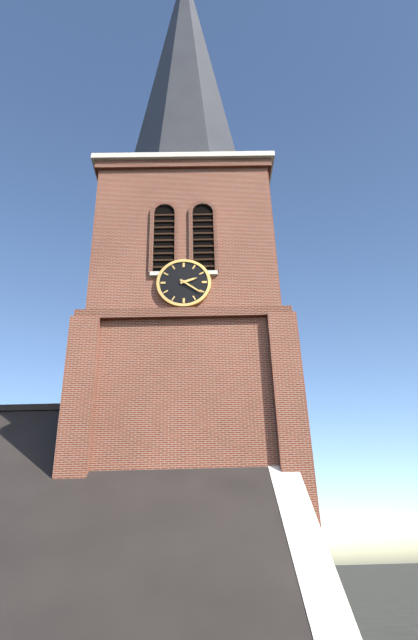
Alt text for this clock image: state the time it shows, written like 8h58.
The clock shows 2h21
